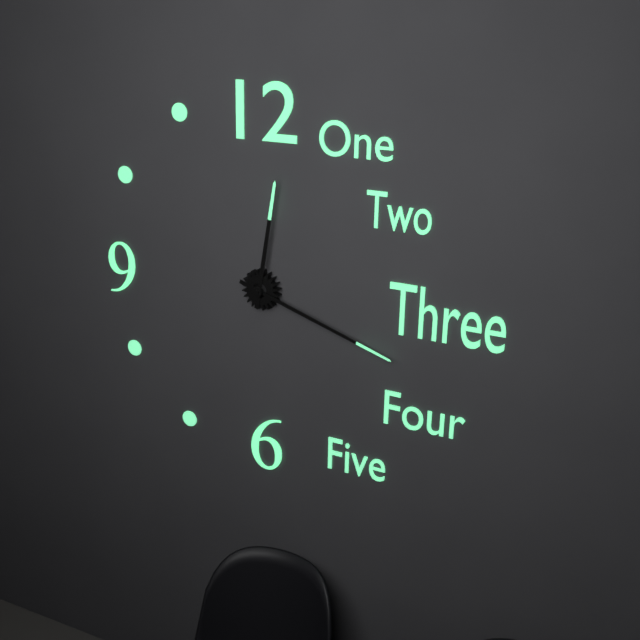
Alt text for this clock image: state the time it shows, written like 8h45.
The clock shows 12h18
